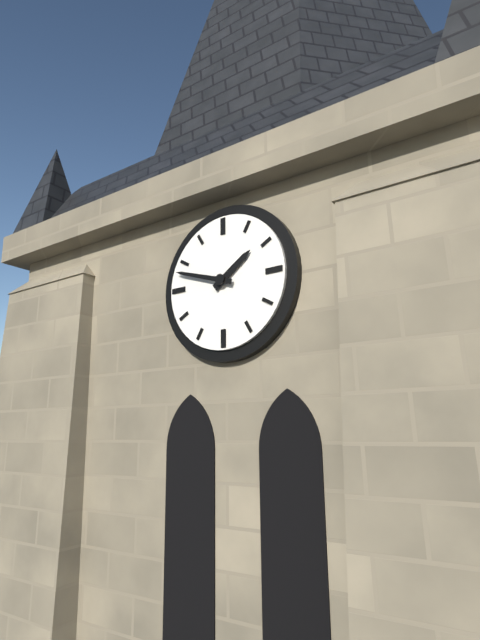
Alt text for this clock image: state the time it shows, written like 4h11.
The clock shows 1h48
